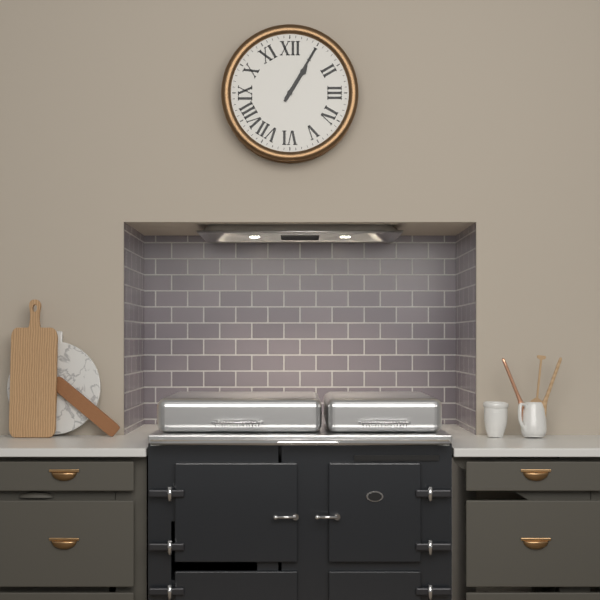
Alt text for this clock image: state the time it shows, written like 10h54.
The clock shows 1h05
